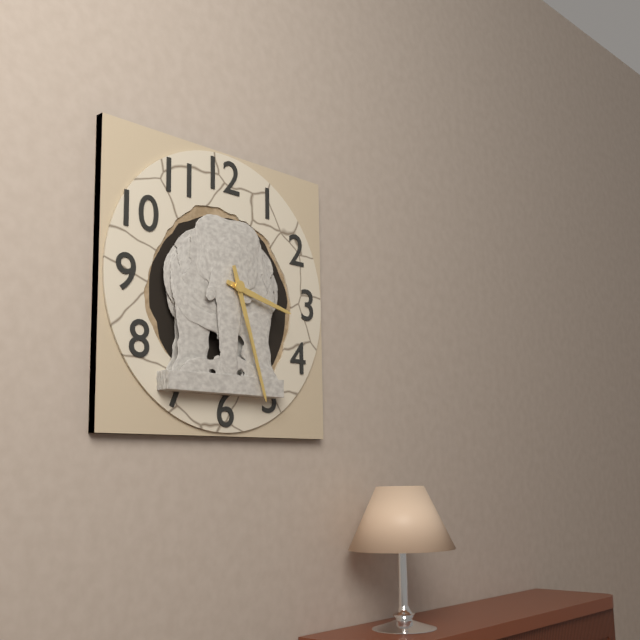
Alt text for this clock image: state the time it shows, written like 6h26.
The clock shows 3h27
